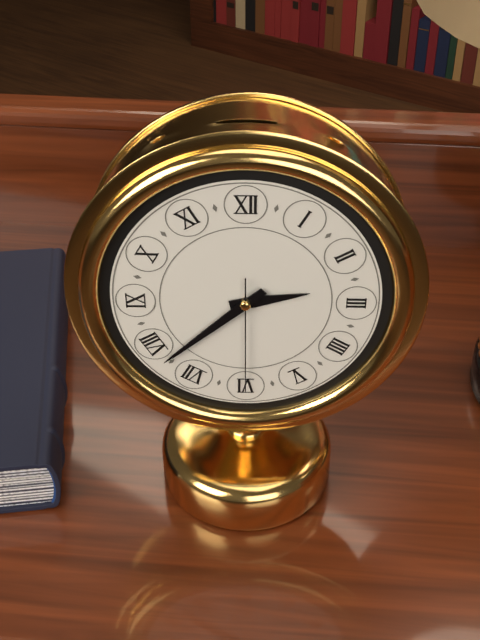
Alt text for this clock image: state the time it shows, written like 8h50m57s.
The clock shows 2h38m30s
